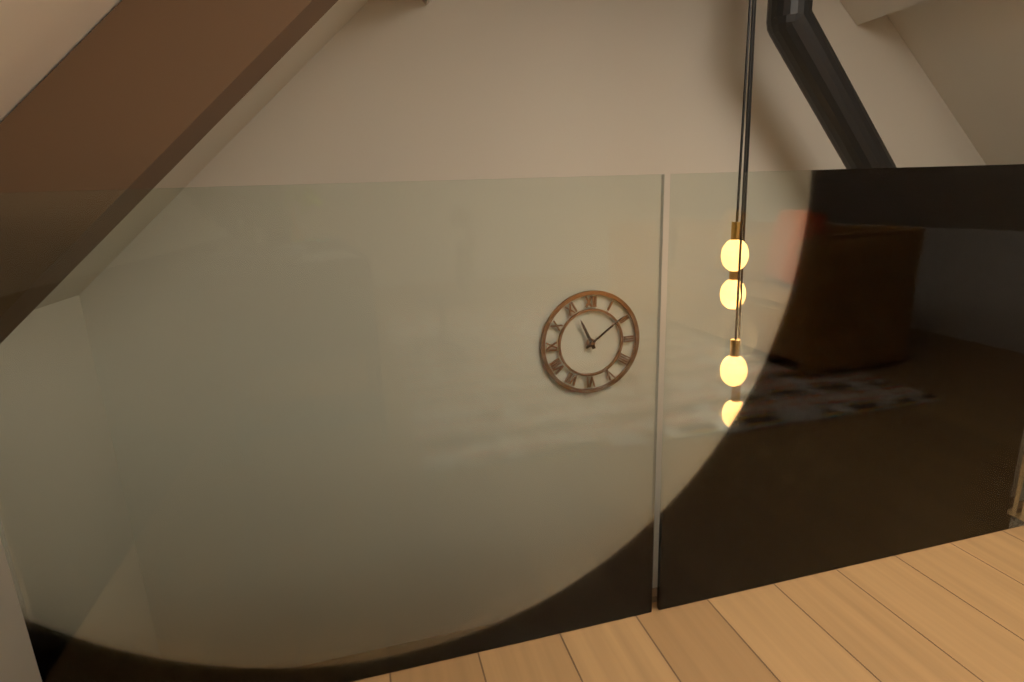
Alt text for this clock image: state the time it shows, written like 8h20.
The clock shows 11h09
